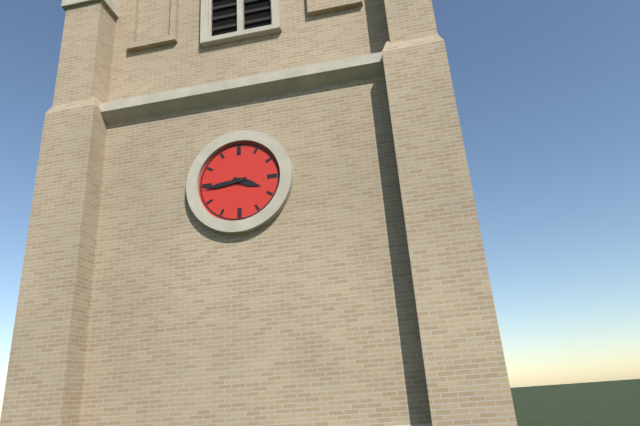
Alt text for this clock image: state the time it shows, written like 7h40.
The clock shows 3h44
